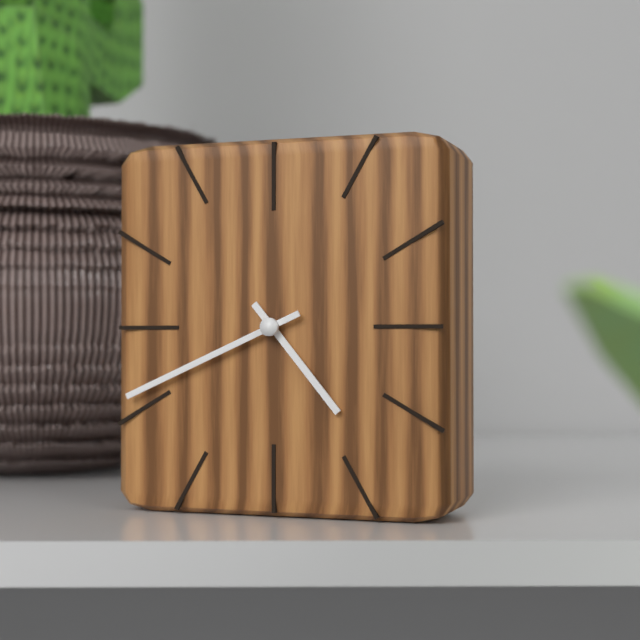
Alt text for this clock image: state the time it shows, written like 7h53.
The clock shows 4h41
